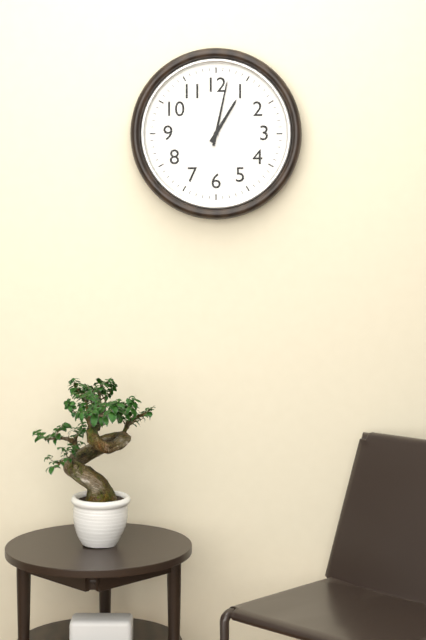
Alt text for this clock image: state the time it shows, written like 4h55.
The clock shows 1h02
